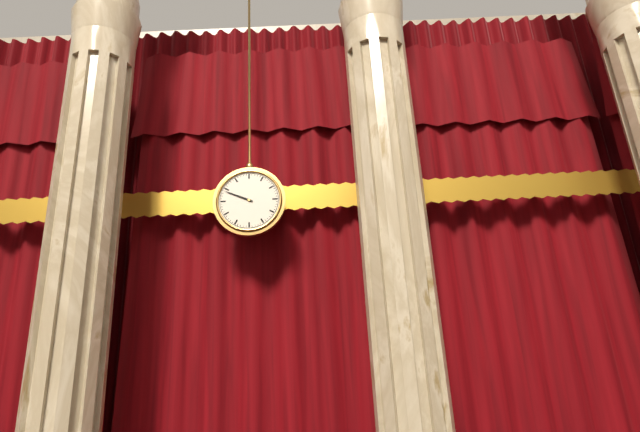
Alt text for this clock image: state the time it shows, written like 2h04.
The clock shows 9h49
